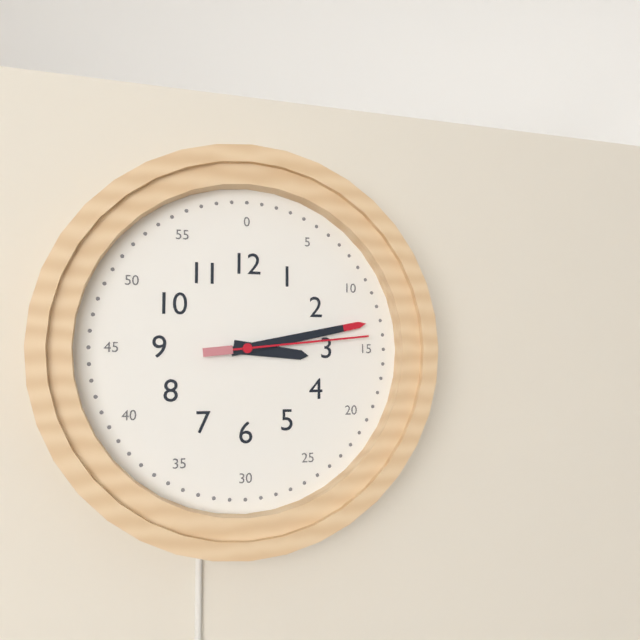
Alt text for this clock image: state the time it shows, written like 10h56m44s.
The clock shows 3h13m14s
